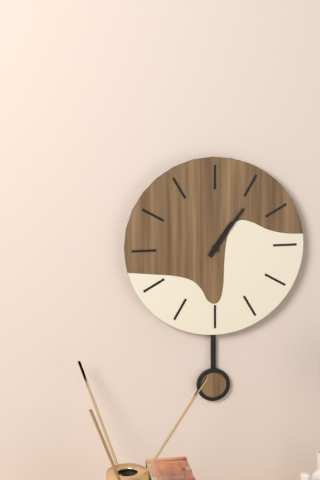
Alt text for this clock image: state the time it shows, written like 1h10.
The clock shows 1h06
